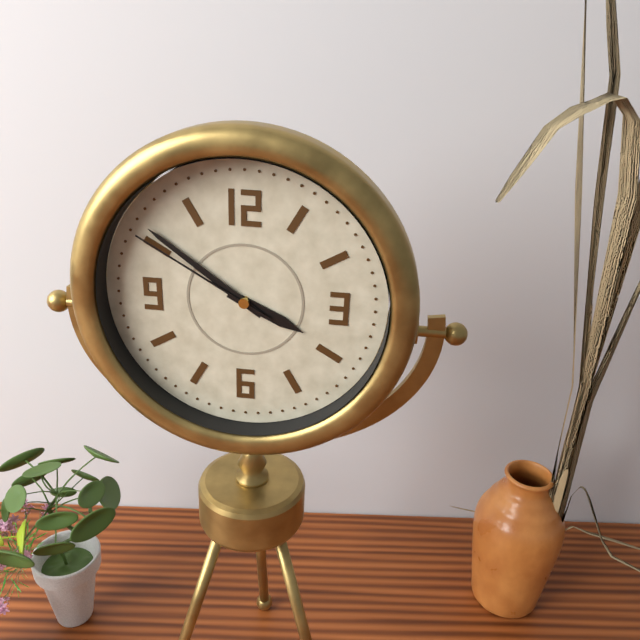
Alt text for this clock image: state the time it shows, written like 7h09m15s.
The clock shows 3h51m50s
